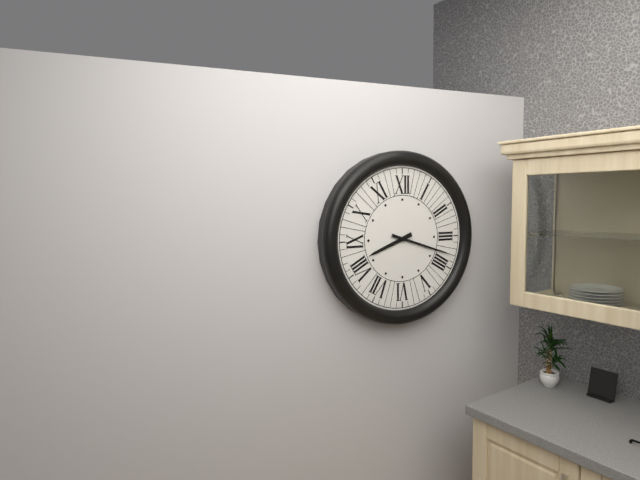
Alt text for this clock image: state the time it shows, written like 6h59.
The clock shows 8h18
